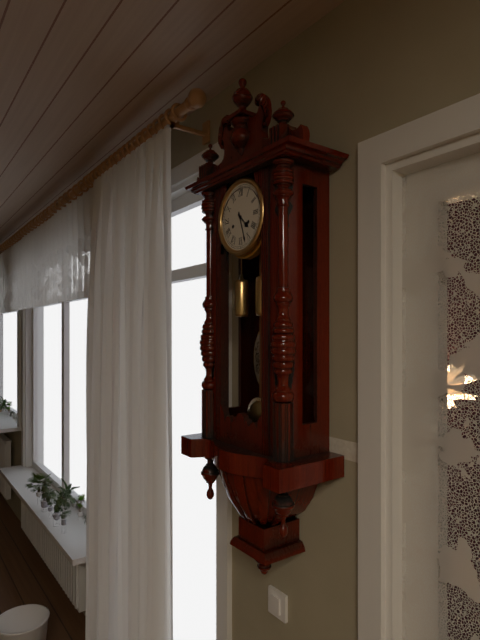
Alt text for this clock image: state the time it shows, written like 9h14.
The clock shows 4h27
